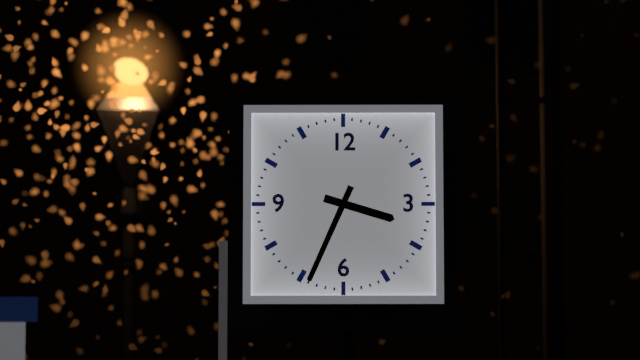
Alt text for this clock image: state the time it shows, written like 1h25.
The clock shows 3h34
